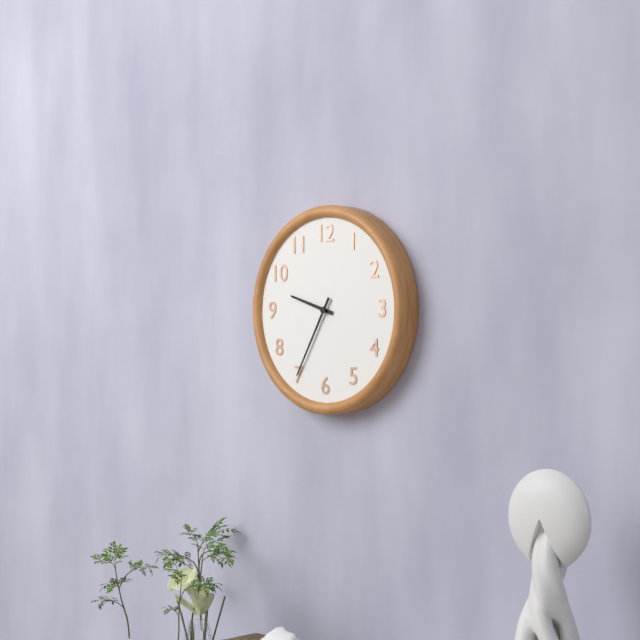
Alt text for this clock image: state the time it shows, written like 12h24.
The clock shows 9h35
